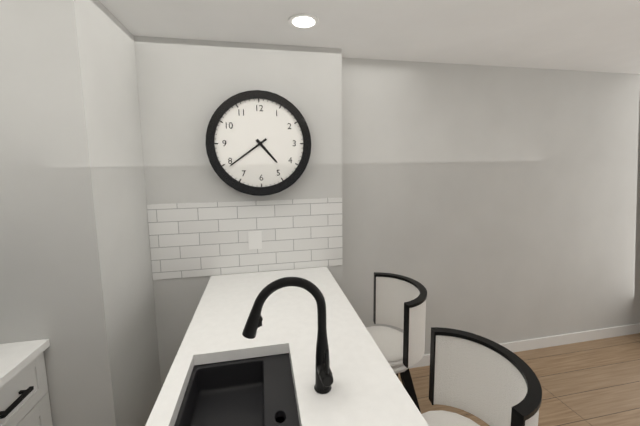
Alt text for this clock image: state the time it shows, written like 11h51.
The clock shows 4h39
